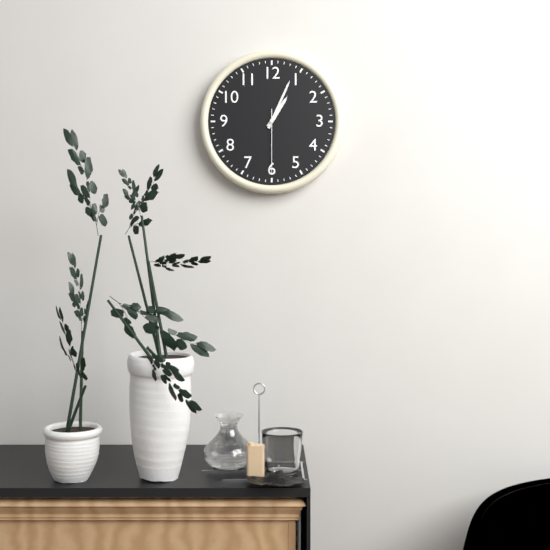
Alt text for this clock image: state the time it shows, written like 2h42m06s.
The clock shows 1h04m30s
